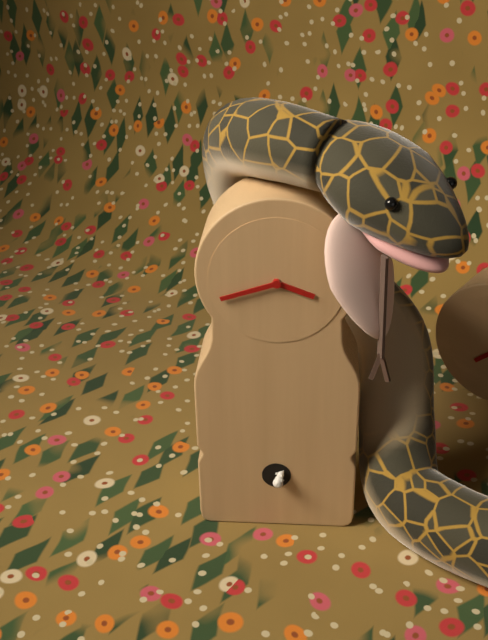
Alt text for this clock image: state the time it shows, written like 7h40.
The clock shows 3h42
